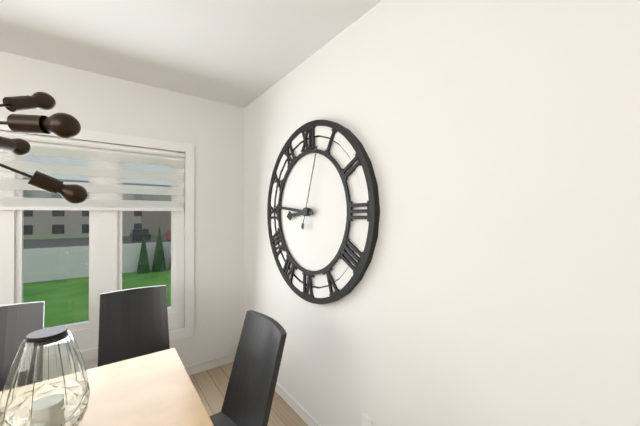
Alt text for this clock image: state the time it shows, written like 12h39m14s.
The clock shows 8h46m03s
